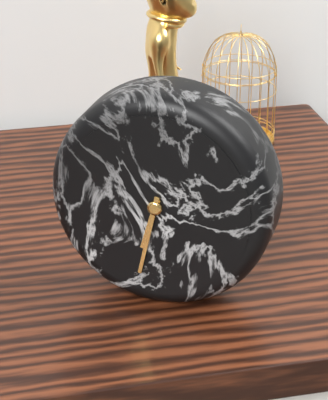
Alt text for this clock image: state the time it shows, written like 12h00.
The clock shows 6h32
